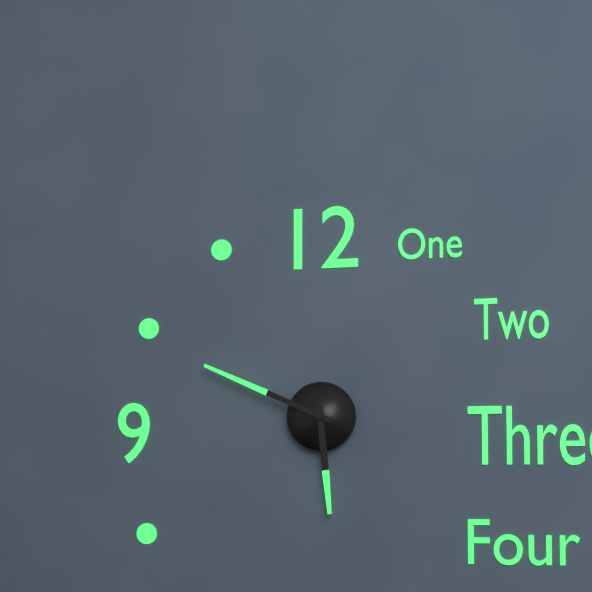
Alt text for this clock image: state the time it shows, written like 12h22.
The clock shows 5h49
